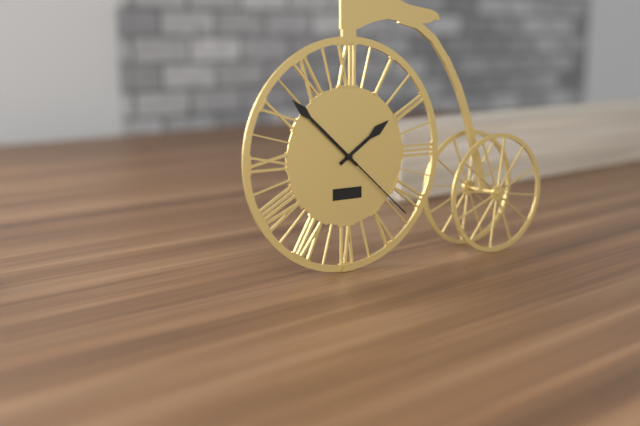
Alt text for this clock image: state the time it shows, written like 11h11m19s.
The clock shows 1h52m22s
